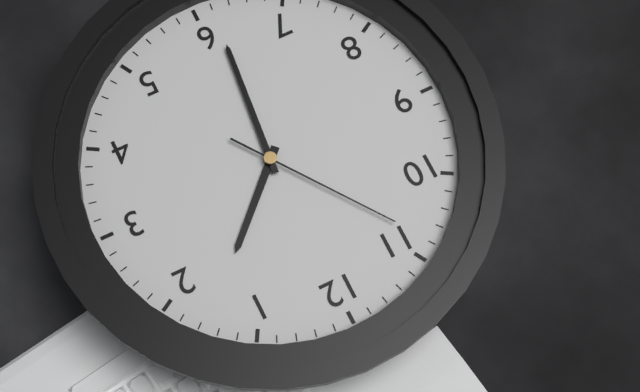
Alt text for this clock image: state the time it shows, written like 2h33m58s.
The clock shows 1h31m54s
